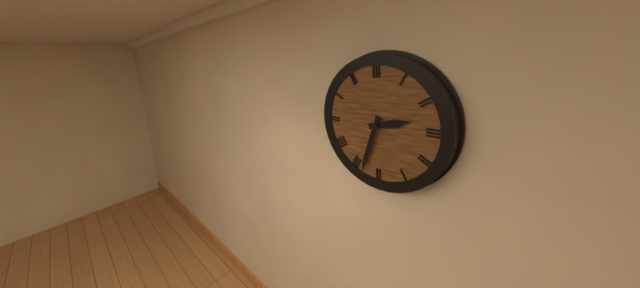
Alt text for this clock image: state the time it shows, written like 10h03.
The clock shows 2h33
